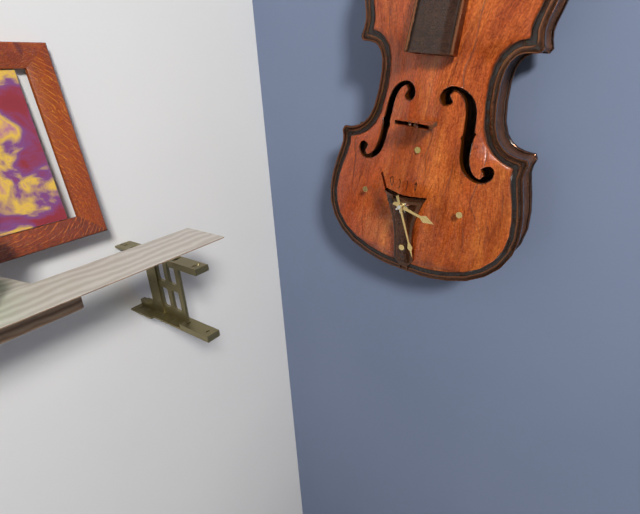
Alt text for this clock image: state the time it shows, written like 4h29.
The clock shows 3h26
